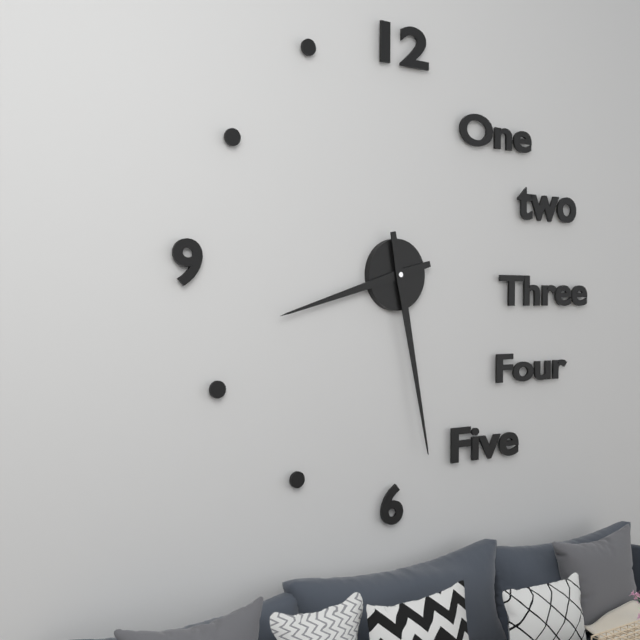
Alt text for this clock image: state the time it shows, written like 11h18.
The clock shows 8h28
